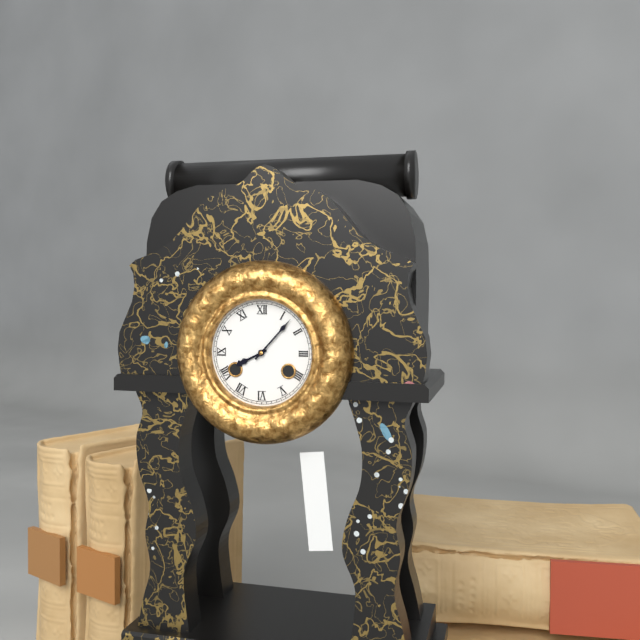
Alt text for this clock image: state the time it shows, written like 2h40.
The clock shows 8h07
